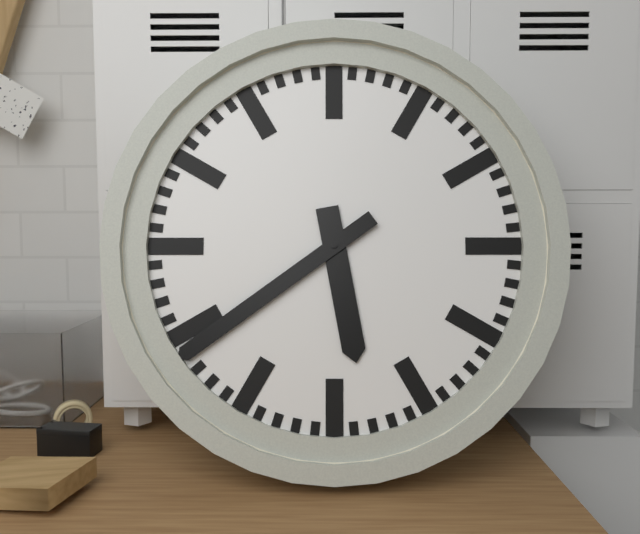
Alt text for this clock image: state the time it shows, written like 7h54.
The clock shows 5h39
